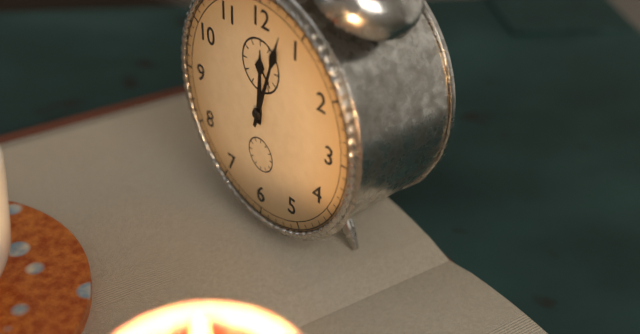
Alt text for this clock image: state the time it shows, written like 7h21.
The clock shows 12h03
